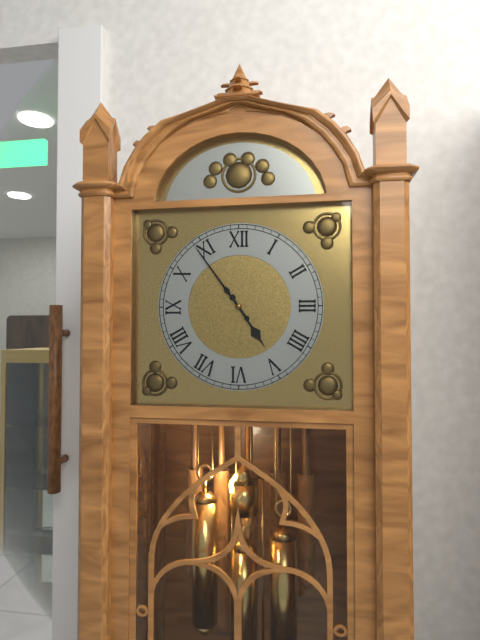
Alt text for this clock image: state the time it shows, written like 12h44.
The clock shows 4h54
